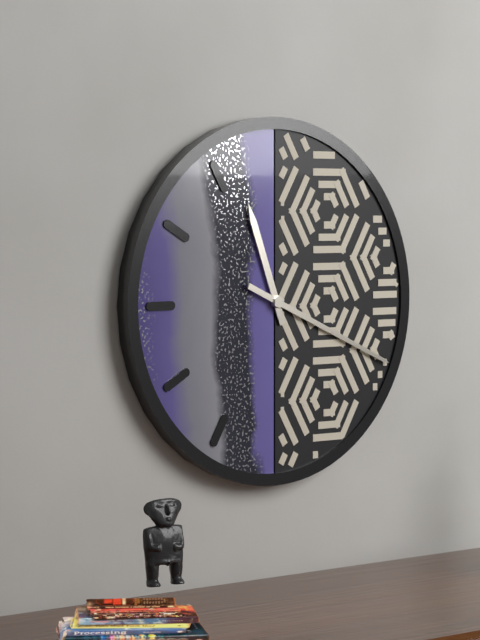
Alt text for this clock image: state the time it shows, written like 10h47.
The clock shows 11h19
